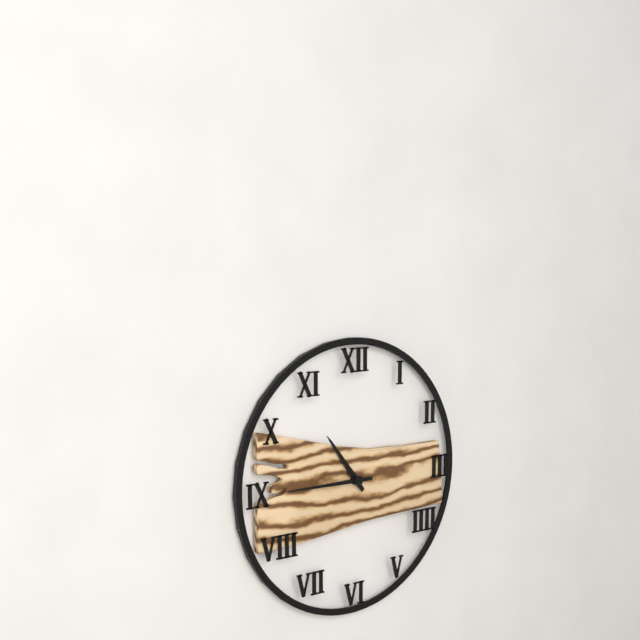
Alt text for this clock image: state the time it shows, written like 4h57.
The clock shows 10h45
